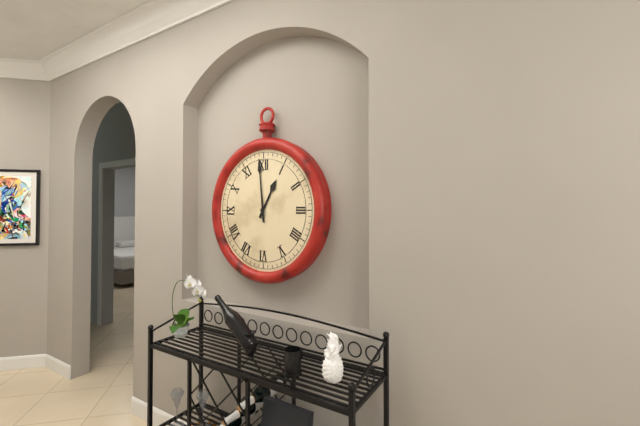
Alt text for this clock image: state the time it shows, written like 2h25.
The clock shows 12h59
